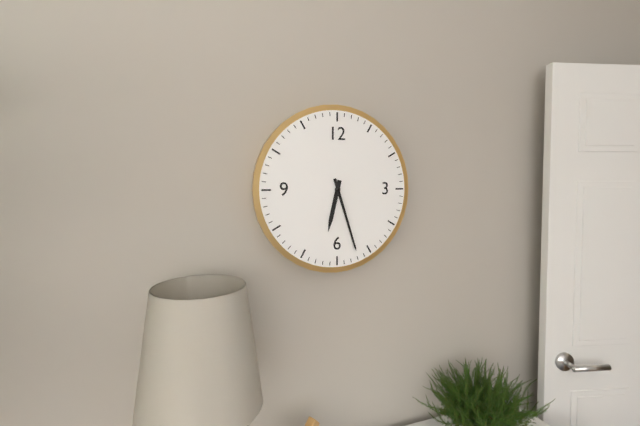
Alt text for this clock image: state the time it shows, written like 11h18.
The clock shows 6h27
